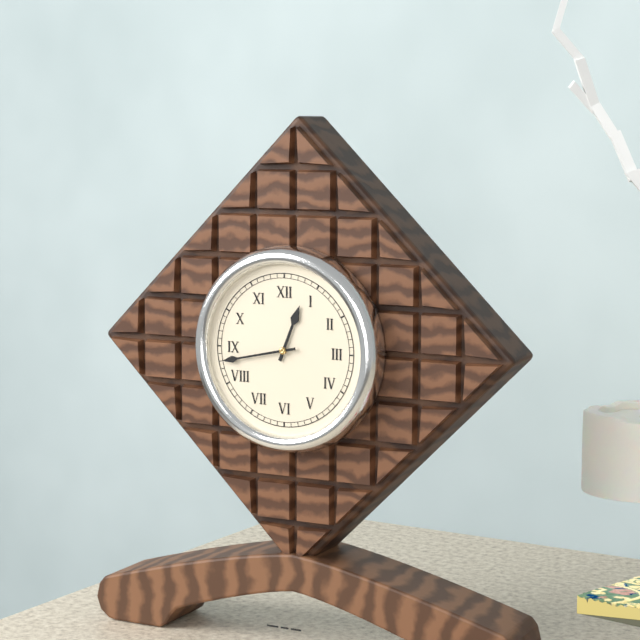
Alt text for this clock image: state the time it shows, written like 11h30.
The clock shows 12h43
